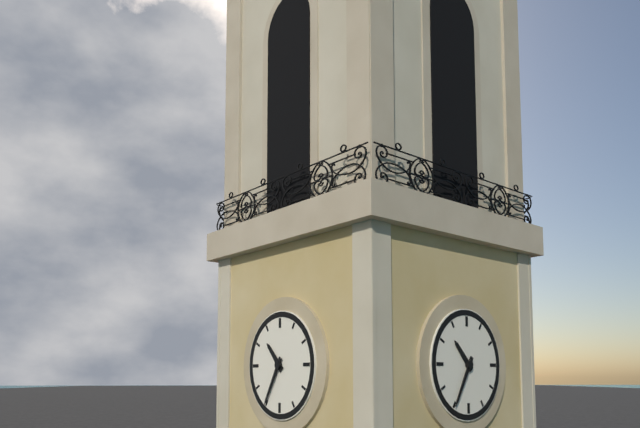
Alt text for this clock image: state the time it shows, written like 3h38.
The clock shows 10h35
